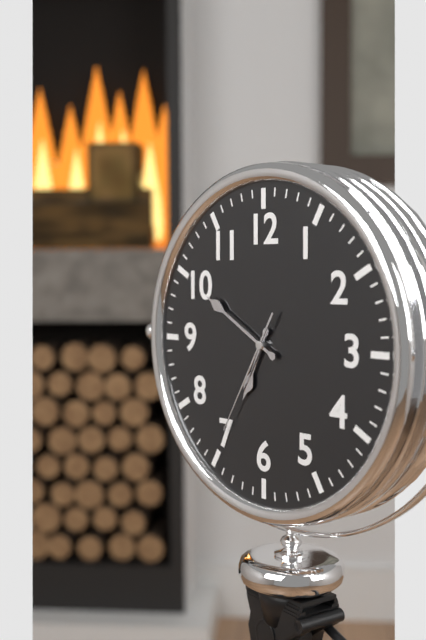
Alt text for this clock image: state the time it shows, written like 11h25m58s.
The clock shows 6h50m35s
